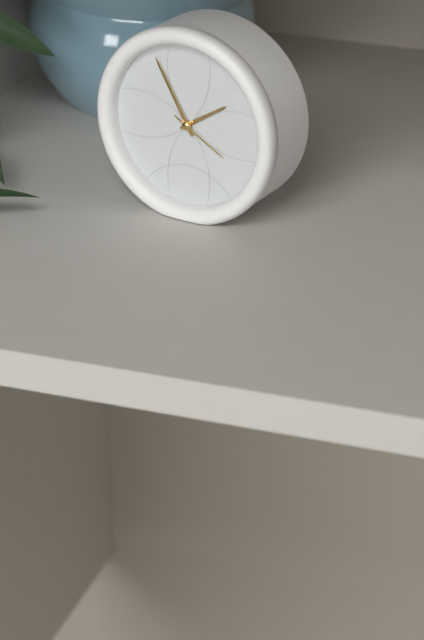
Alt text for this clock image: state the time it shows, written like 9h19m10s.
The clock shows 1h55m20s
